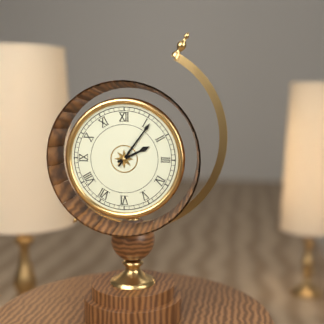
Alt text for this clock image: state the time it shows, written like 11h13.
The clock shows 2h06
